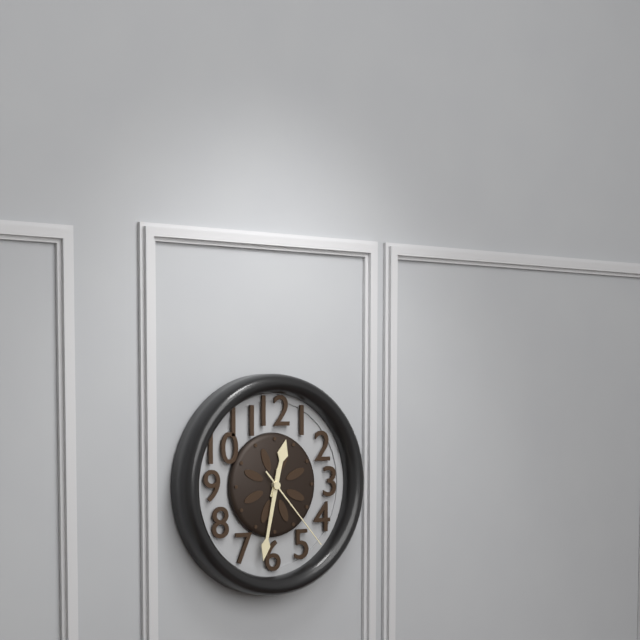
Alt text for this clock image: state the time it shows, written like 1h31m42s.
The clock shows 12h32m23s
